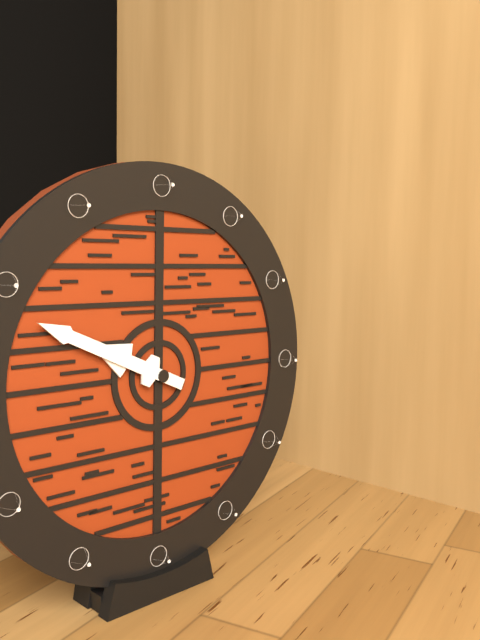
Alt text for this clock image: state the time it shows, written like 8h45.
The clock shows 9h49
